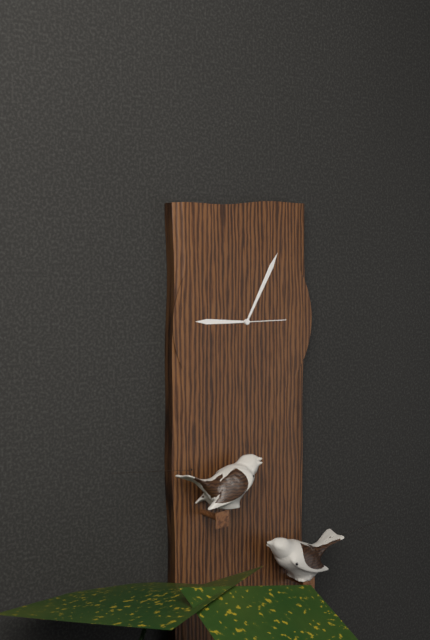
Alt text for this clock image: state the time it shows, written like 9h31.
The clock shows 9h05
